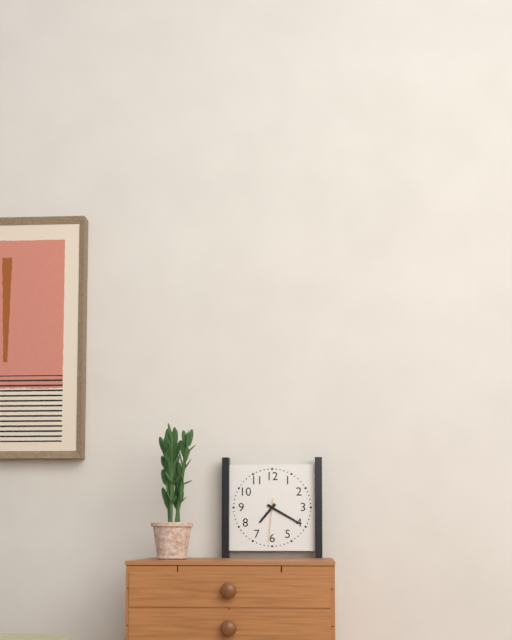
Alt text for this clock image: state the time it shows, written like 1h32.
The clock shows 7h20
